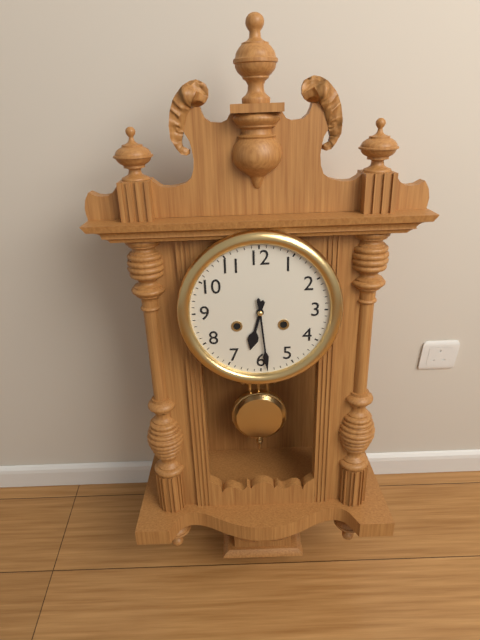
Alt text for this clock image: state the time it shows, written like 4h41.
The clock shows 6h29
